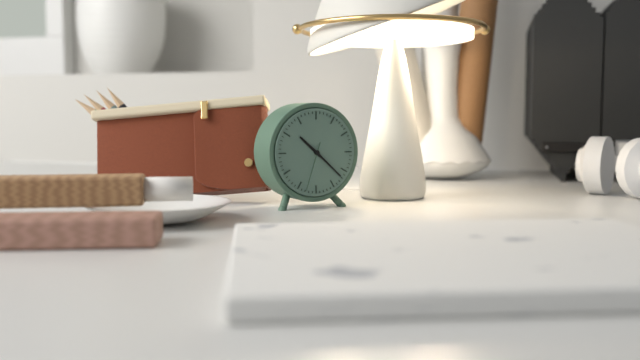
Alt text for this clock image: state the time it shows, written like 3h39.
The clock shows 10h22
